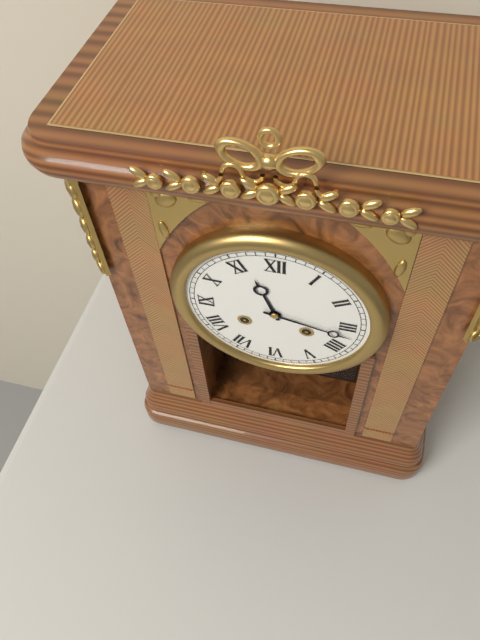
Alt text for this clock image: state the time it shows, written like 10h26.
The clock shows 11h17
